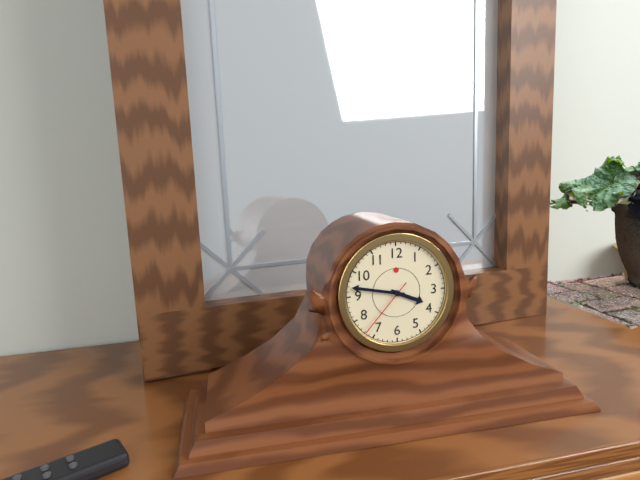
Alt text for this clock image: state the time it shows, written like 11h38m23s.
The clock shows 3h47m37s
